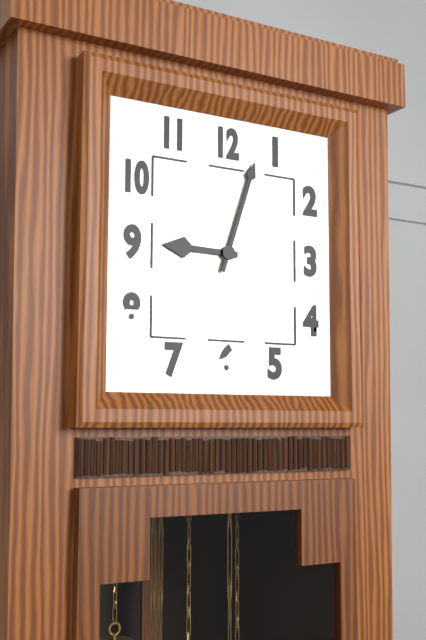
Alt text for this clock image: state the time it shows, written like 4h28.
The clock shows 9h03
